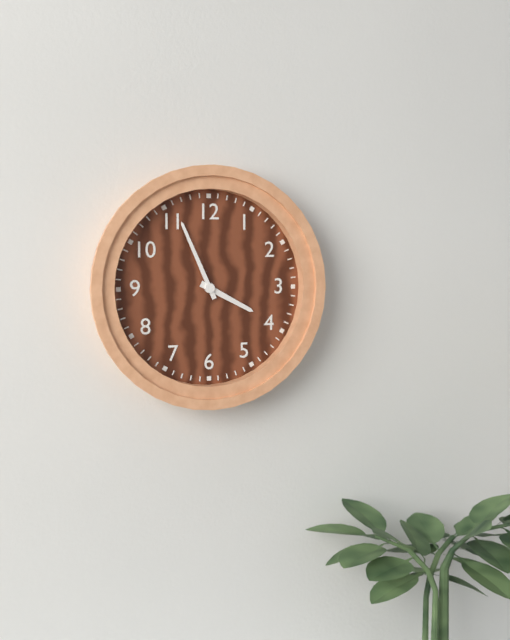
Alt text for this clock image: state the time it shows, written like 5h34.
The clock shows 3h56
